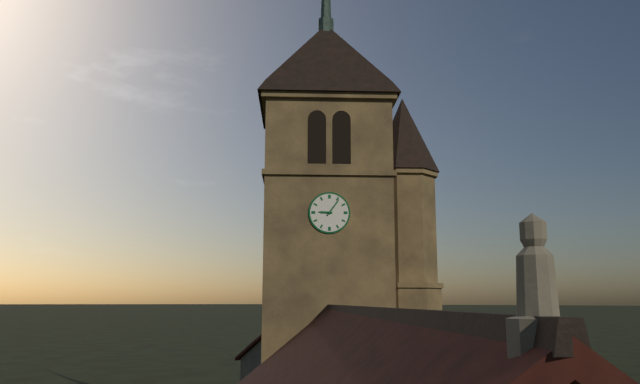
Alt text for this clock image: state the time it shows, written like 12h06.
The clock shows 9h06
